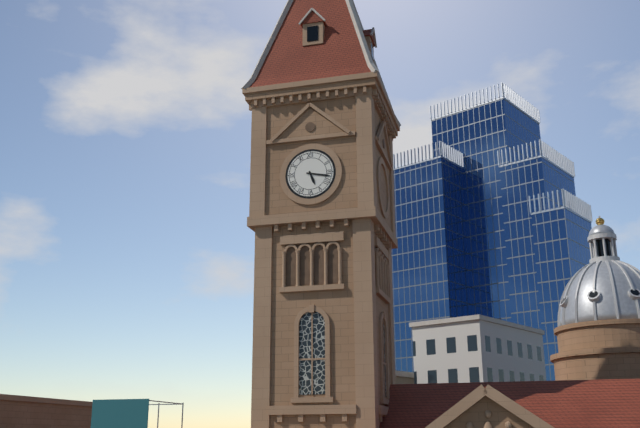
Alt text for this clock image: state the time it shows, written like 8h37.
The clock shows 5h17
